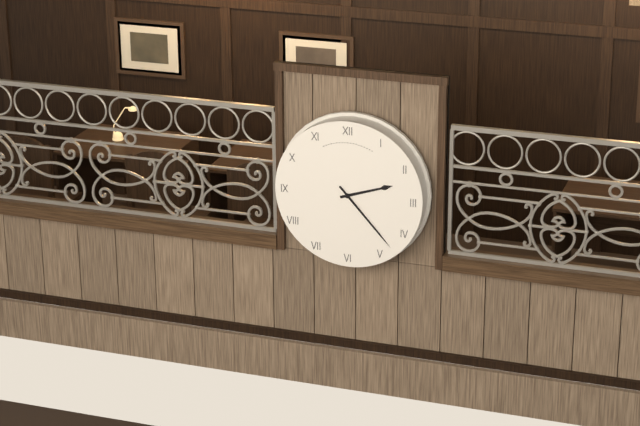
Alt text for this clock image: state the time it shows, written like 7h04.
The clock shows 2h23
